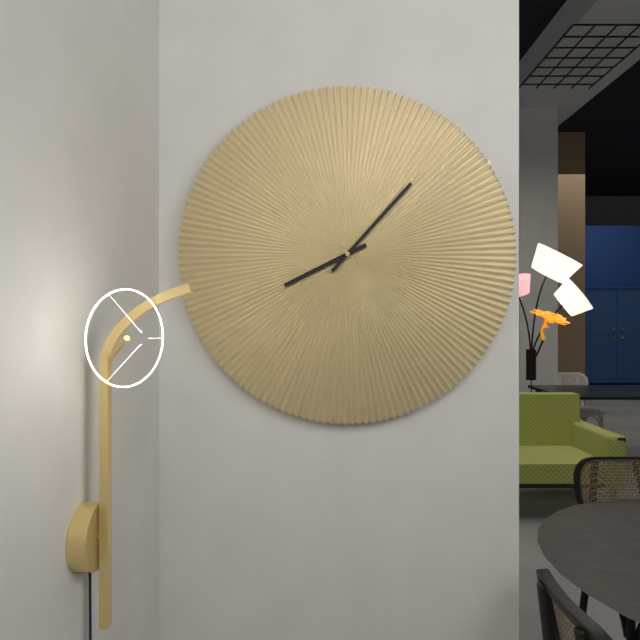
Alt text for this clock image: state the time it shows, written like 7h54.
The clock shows 8h07
